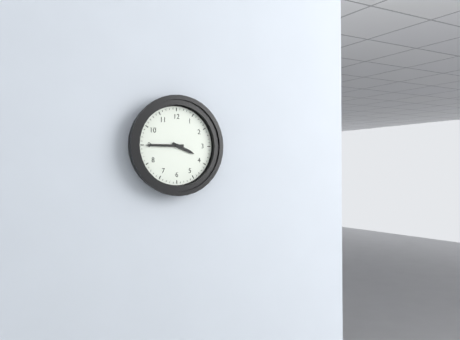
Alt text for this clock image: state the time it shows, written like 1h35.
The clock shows 3h45
